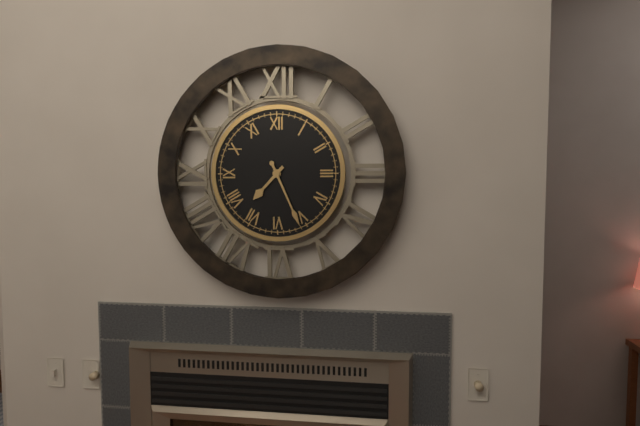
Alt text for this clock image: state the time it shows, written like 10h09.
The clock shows 7h26
